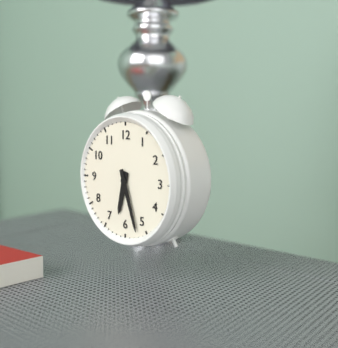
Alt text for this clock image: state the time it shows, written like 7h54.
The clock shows 6h27
